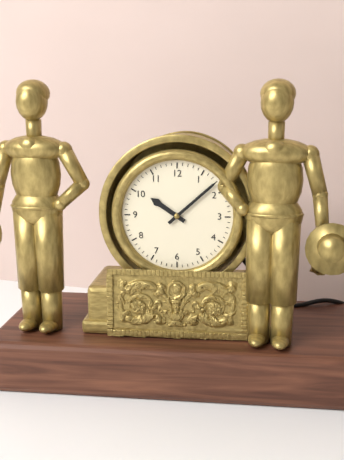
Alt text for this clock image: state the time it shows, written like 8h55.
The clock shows 10h08
